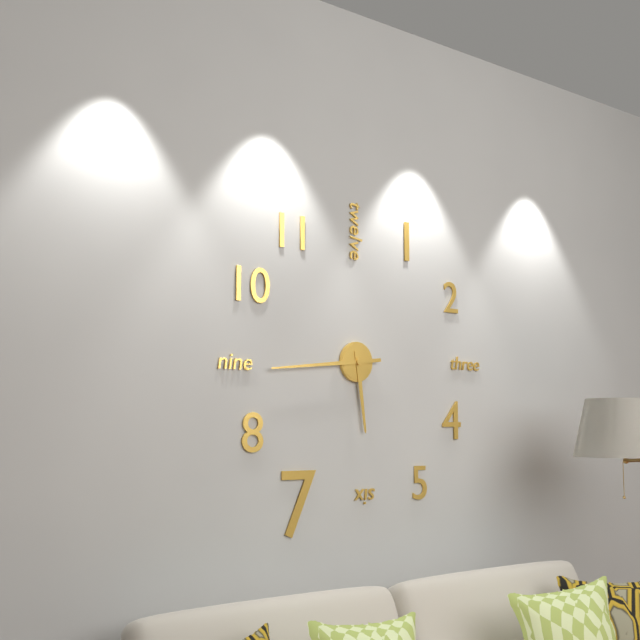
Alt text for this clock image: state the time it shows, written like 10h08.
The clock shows 5h44
